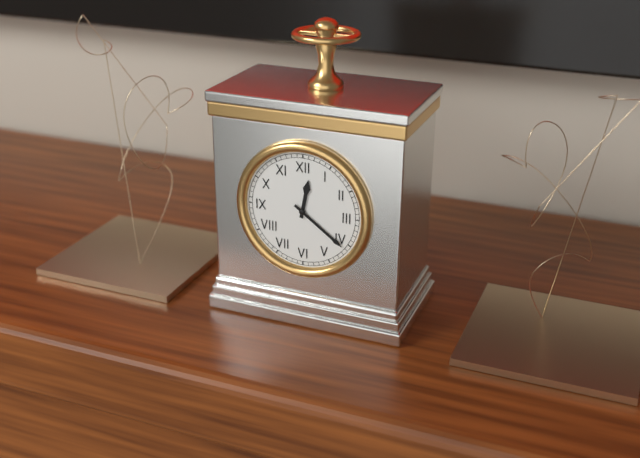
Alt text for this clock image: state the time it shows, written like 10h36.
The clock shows 12h21
